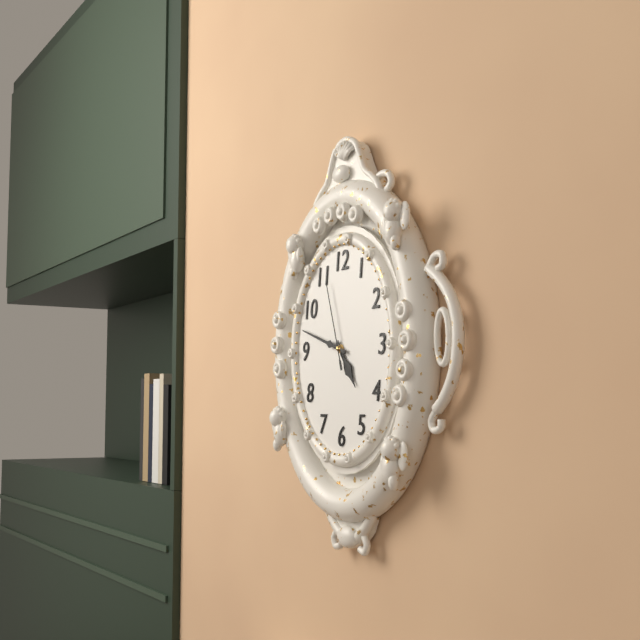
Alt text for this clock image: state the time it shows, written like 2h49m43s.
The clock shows 4h48m57s
